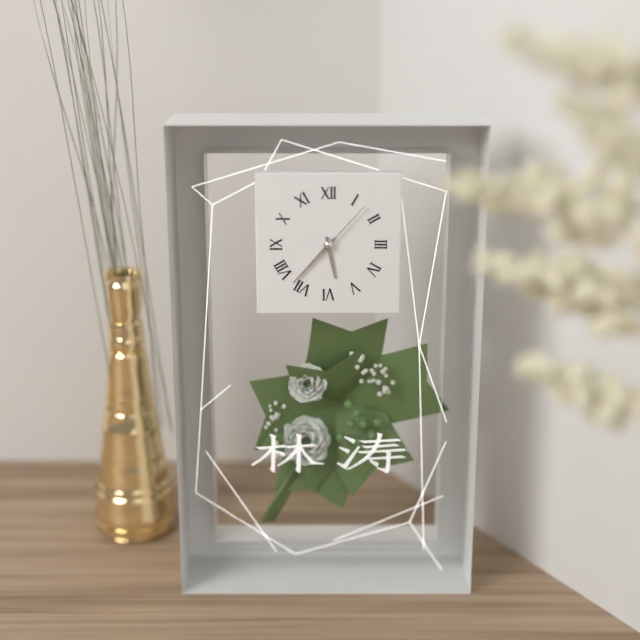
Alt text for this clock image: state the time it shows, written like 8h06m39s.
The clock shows 5h37m07s
